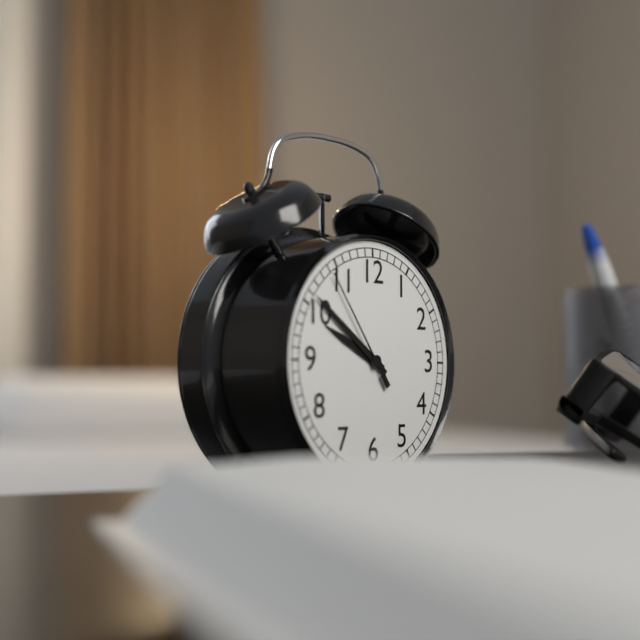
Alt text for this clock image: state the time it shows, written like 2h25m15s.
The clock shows 9h51m54s
